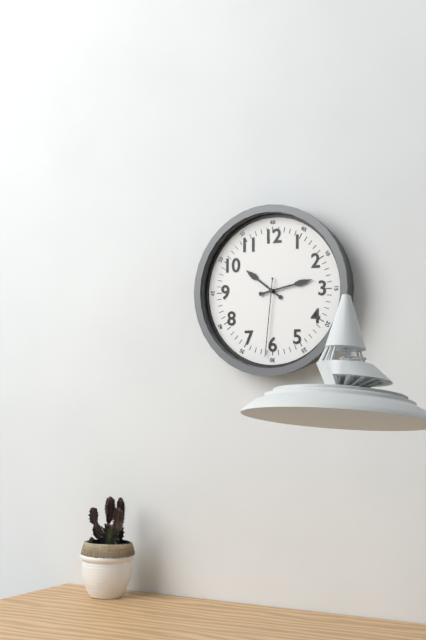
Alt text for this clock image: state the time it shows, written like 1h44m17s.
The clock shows 10h13m31s
